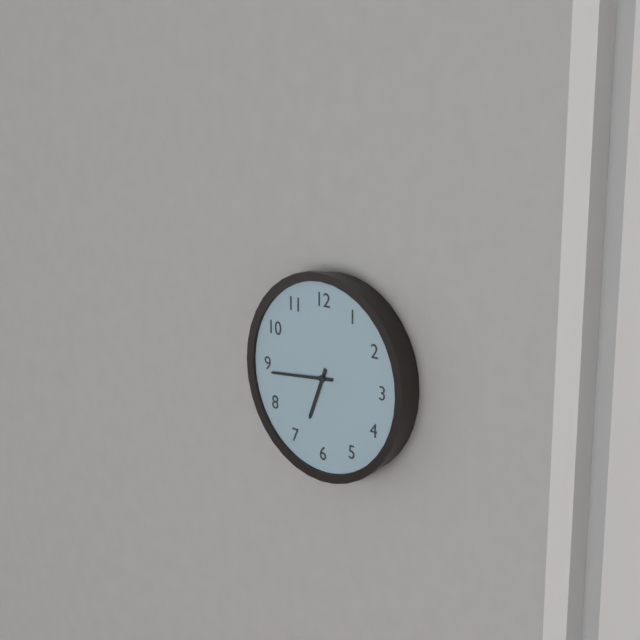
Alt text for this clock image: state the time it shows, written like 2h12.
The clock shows 6h44
